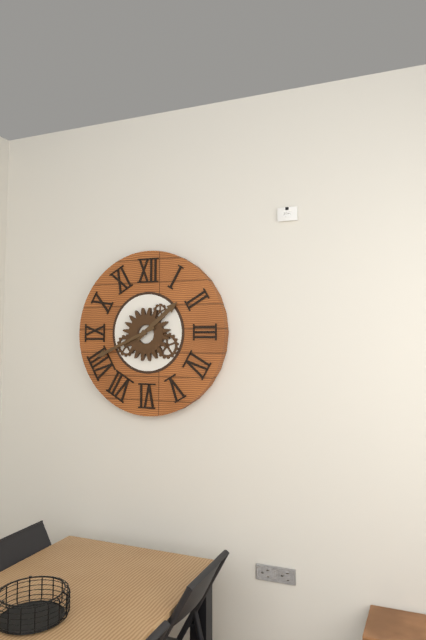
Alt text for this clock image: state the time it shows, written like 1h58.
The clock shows 1h41
